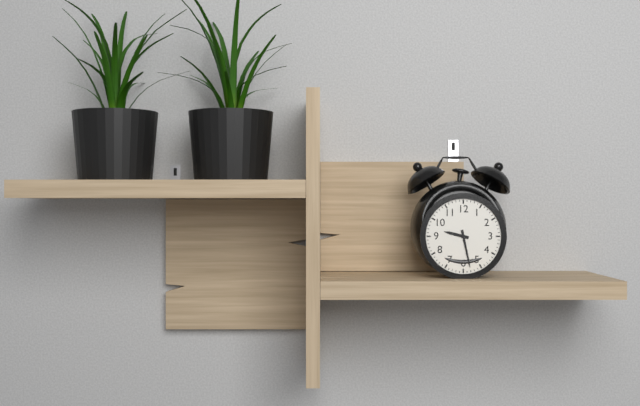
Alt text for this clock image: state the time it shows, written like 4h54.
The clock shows 9h28
